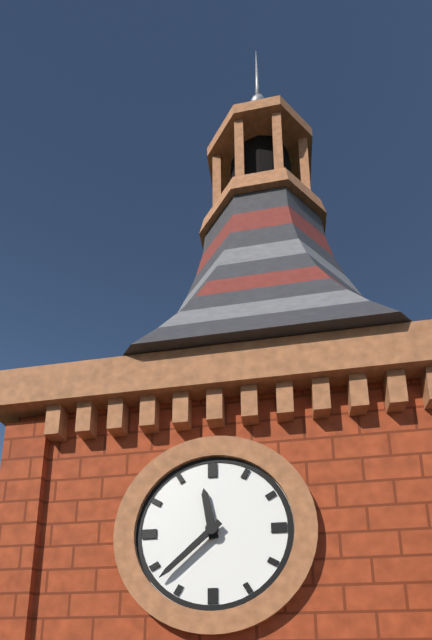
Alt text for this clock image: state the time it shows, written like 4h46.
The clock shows 11h38
